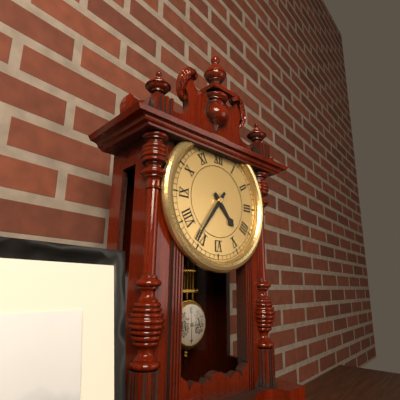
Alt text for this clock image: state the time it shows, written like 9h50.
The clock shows 4h36
